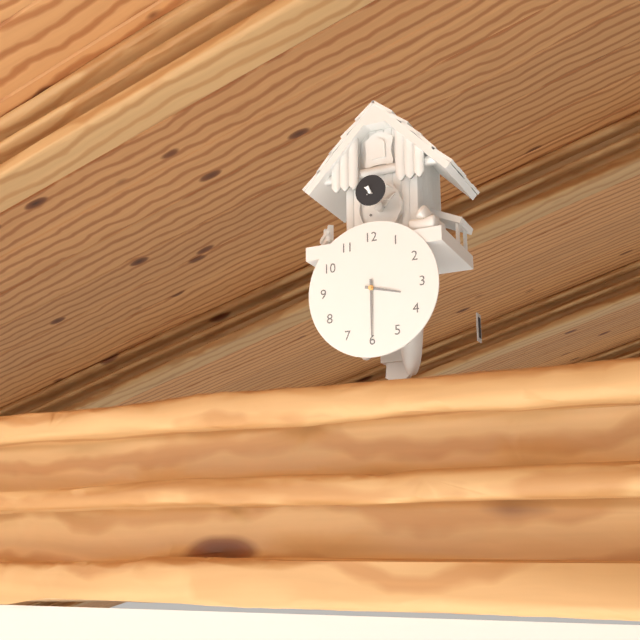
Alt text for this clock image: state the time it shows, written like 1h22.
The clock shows 3h30
